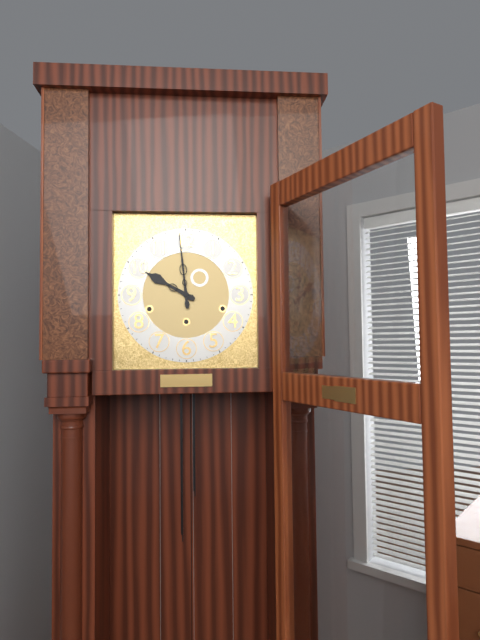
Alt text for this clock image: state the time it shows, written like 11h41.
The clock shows 9h59
